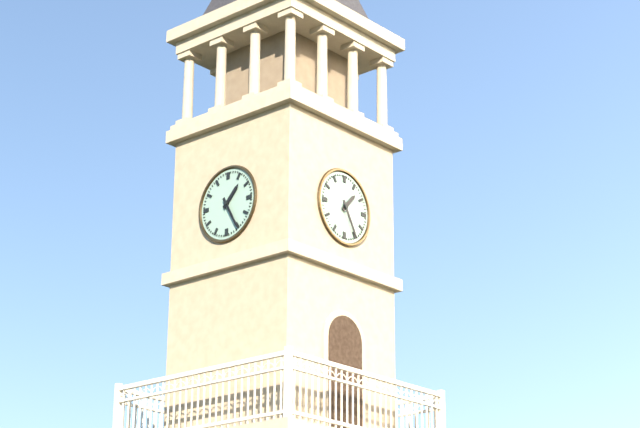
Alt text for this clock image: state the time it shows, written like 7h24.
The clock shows 1h25
